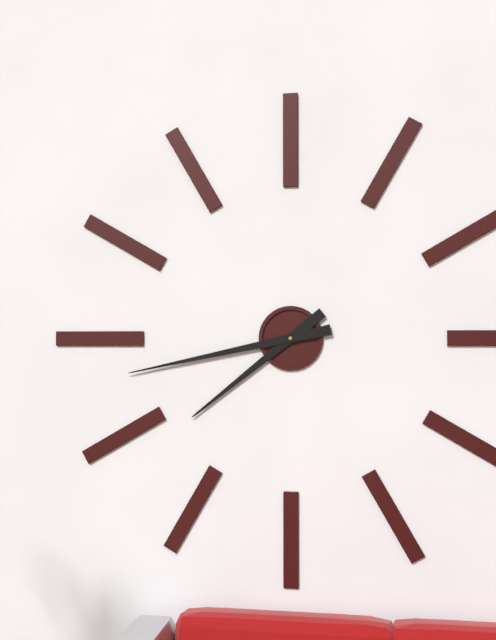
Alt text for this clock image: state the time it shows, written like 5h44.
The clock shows 7h43
